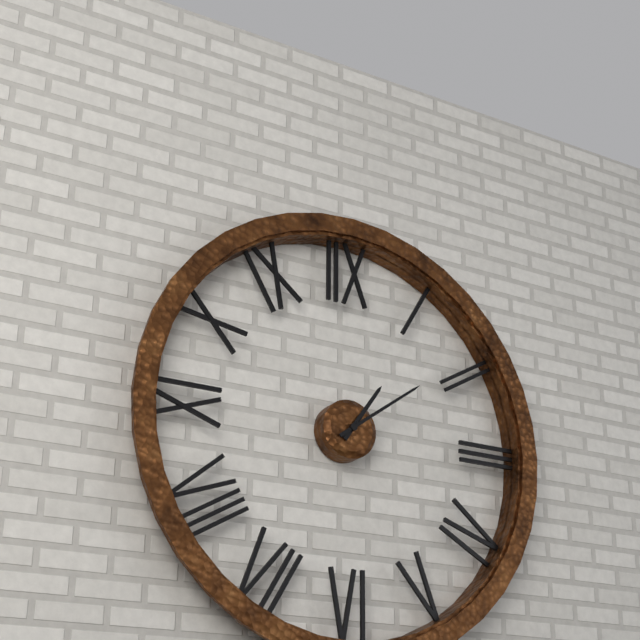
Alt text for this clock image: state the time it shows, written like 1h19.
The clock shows 1h09
